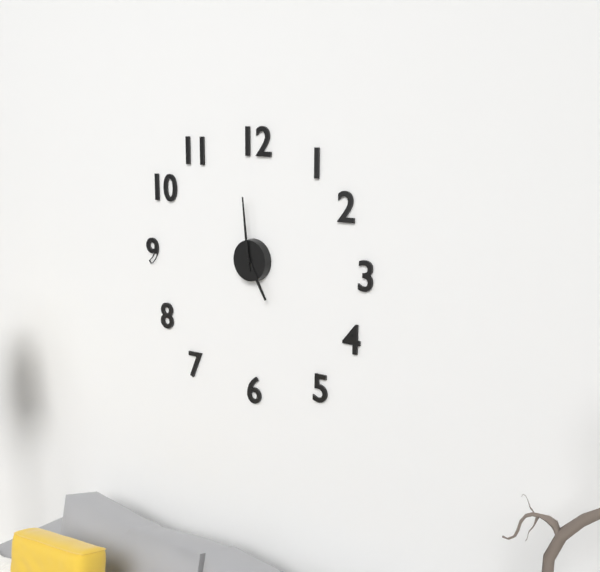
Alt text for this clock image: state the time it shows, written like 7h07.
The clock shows 4h59
